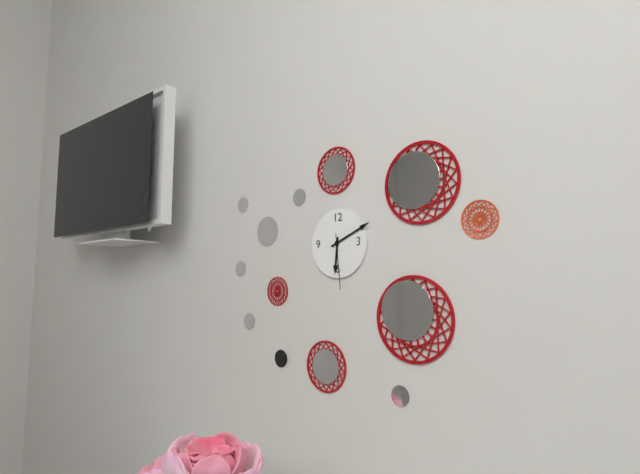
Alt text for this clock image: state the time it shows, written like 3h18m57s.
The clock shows 6h11m29s
